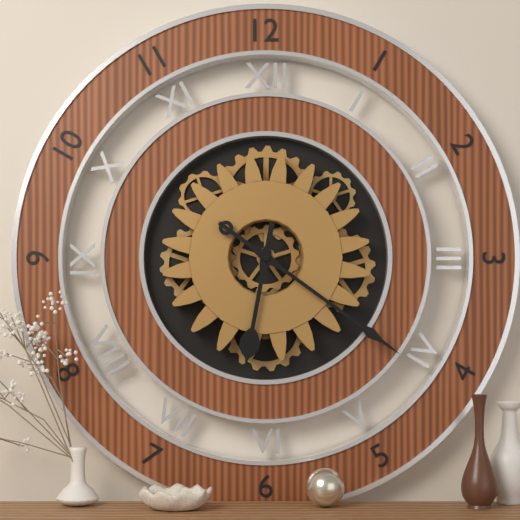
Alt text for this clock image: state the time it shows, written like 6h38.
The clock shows 6h21
